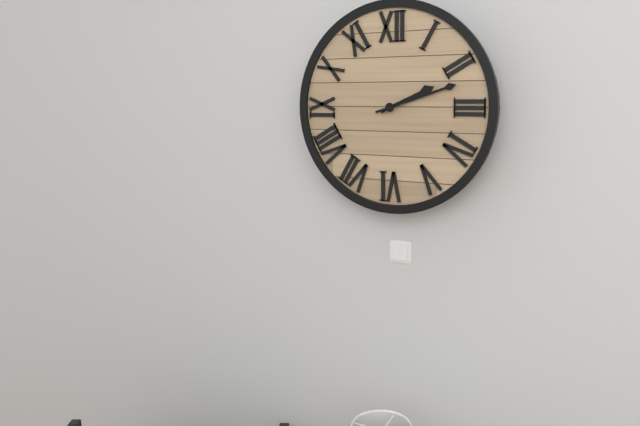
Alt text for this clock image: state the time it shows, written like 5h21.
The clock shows 2h12
